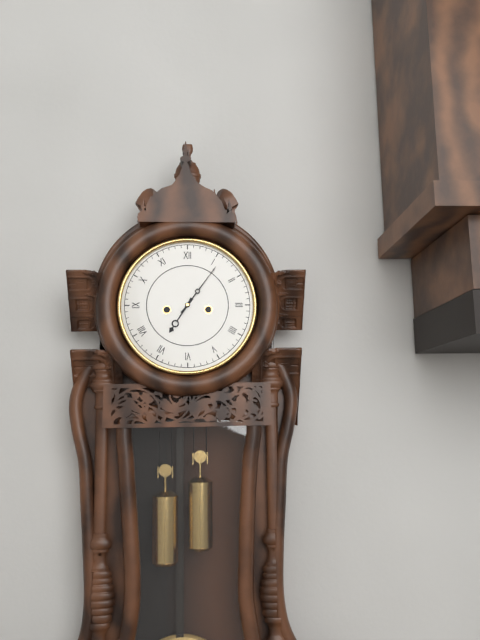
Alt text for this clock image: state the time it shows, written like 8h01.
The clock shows 7h06
